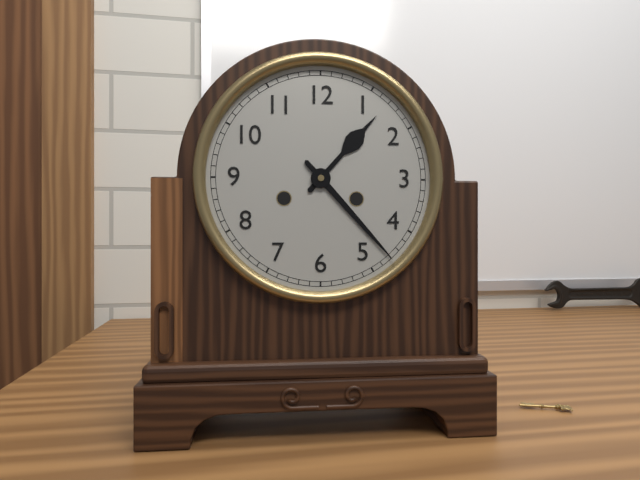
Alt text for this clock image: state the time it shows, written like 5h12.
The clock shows 1h23
